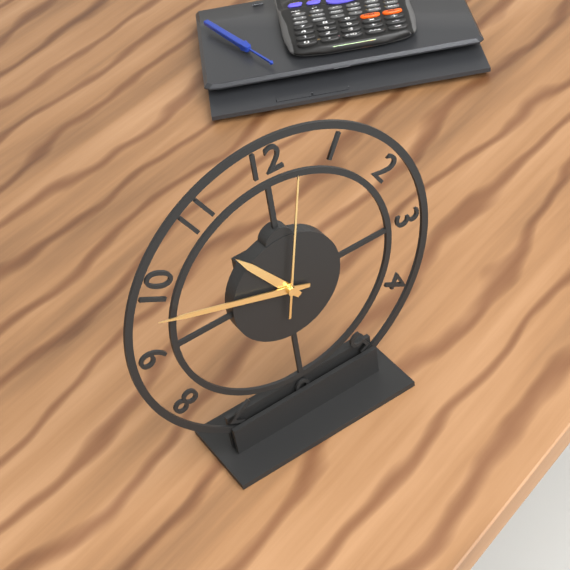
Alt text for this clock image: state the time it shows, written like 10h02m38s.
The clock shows 10h48m02s
